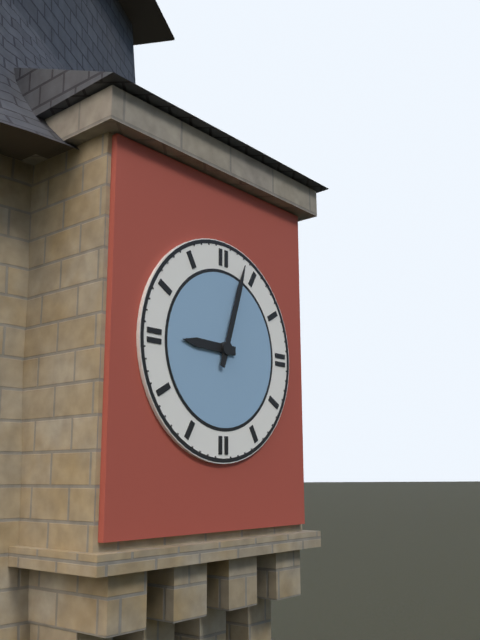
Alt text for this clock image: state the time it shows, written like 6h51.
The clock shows 9h03
